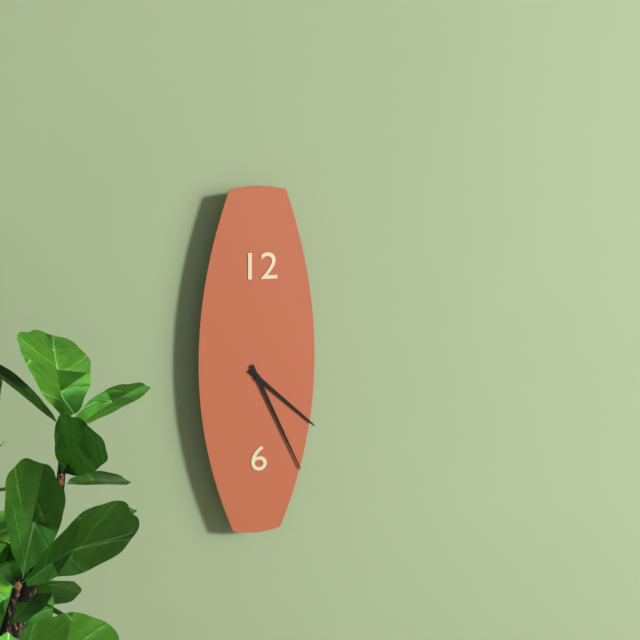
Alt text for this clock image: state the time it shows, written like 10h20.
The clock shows 4h26
